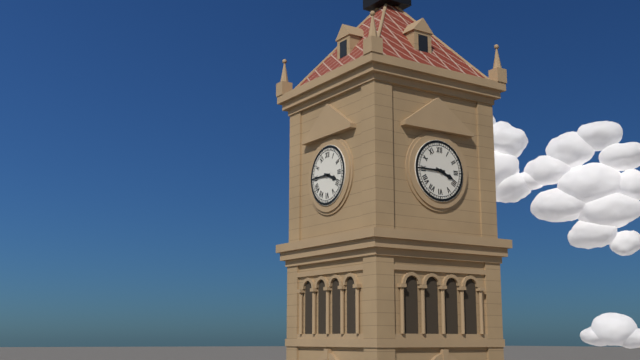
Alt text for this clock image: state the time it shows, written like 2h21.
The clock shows 3h45
